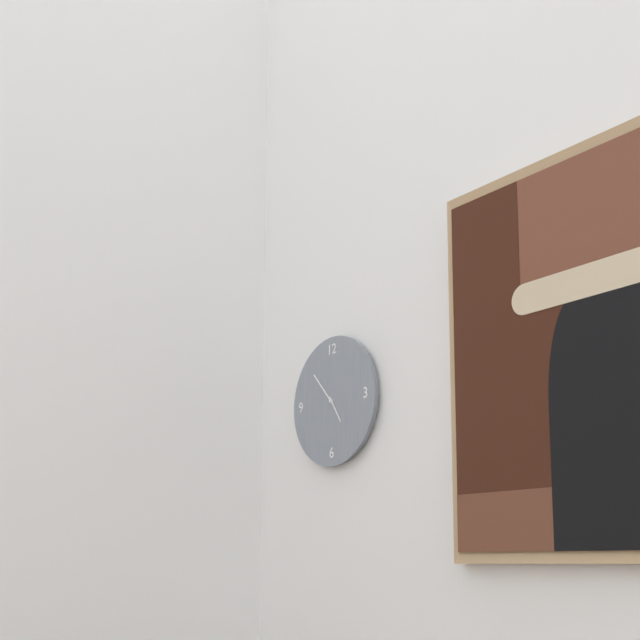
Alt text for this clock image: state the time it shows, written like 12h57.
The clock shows 4h53
